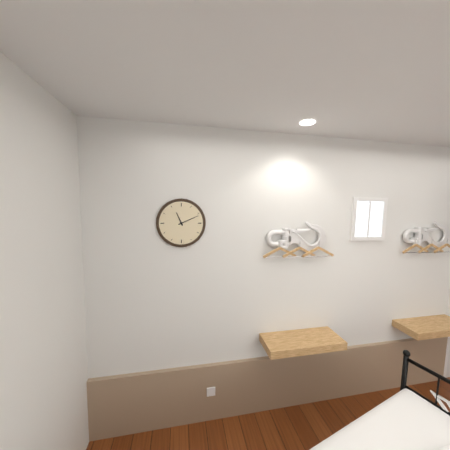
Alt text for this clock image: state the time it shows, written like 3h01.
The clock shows 11h11
